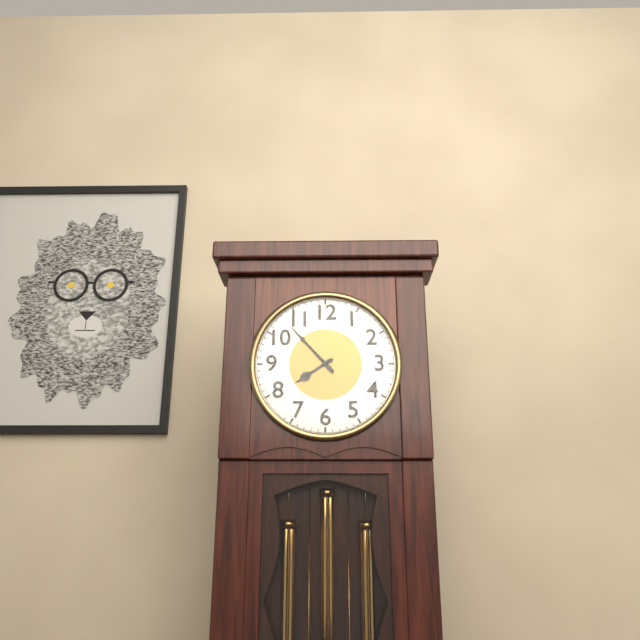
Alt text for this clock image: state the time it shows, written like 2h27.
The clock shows 7h53
